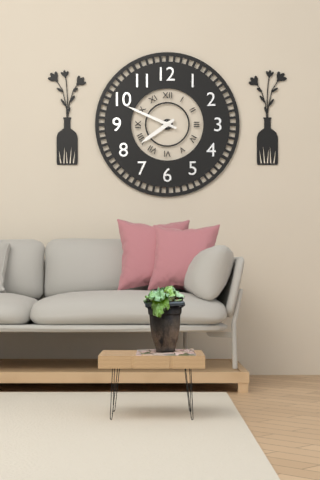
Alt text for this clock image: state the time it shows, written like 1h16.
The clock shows 7h49
